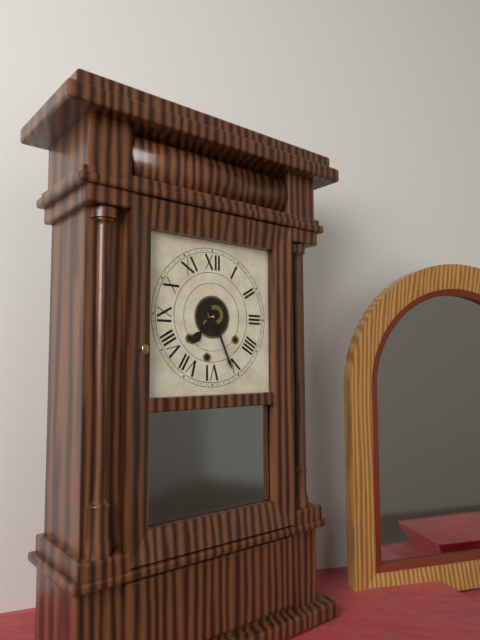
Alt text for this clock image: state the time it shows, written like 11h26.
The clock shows 7h26
